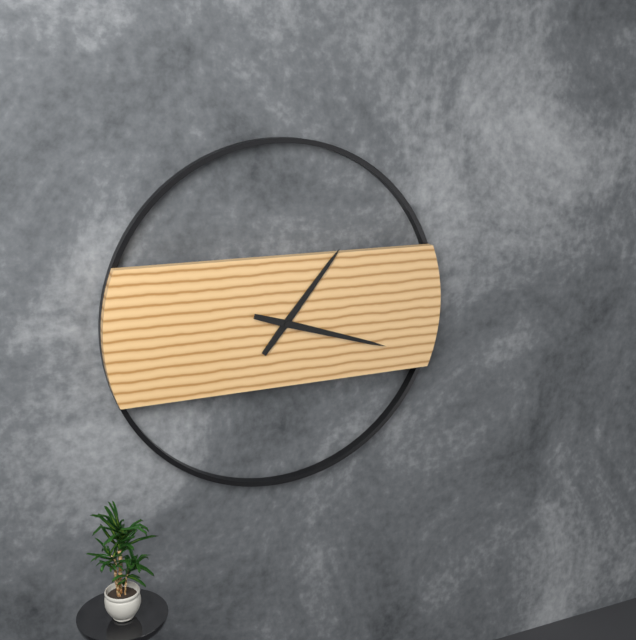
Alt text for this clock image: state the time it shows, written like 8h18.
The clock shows 1h18
